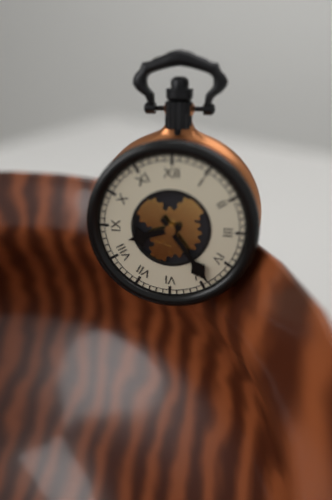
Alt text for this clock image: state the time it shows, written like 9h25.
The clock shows 8h24
